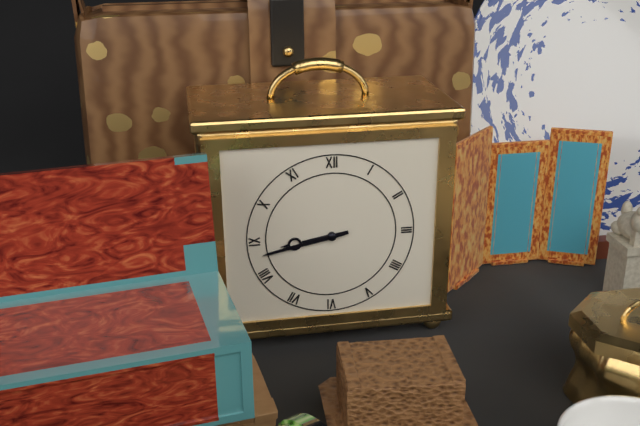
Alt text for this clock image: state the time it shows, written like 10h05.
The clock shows 8h43
